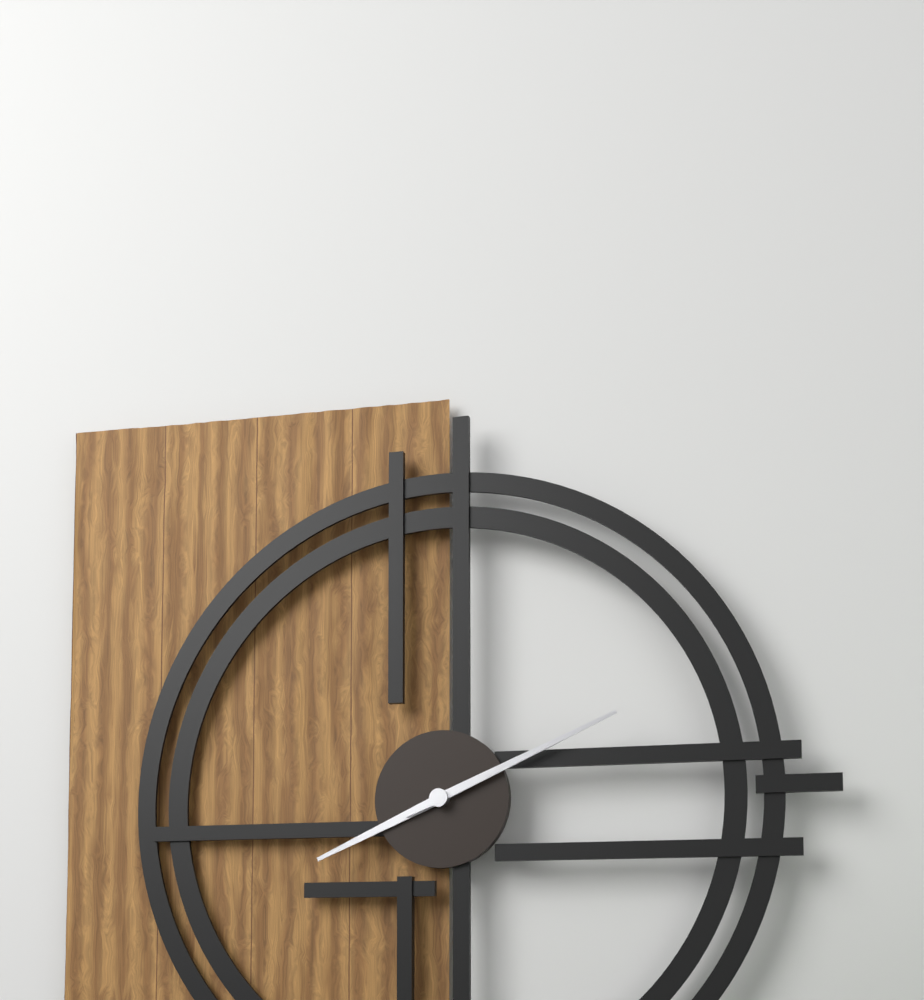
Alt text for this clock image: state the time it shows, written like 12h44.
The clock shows 8h11
